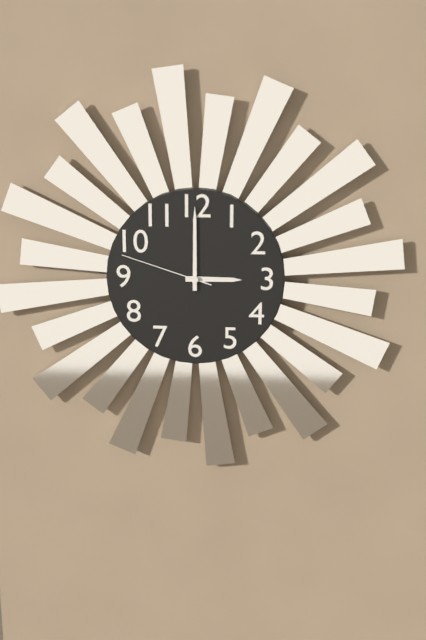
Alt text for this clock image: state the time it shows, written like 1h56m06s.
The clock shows 3h00m48s
